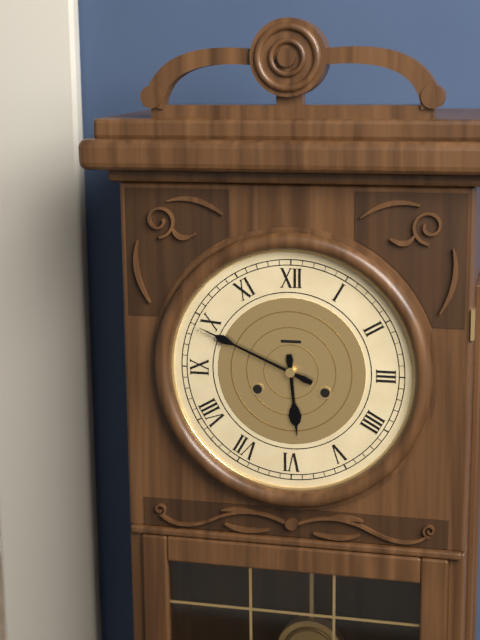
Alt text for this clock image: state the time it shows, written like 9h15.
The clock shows 5h49
